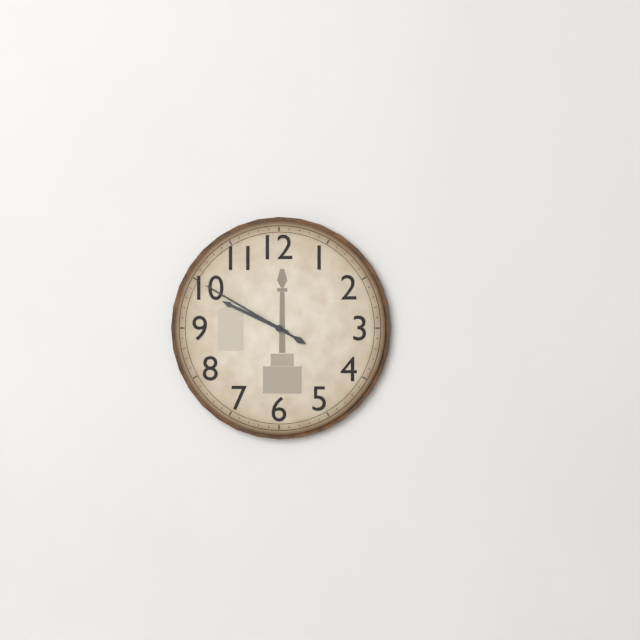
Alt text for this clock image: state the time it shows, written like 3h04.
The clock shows 9h50
